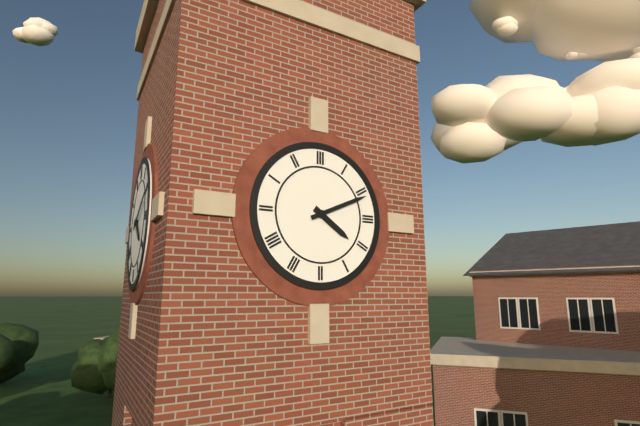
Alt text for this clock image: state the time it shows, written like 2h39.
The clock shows 4h11
